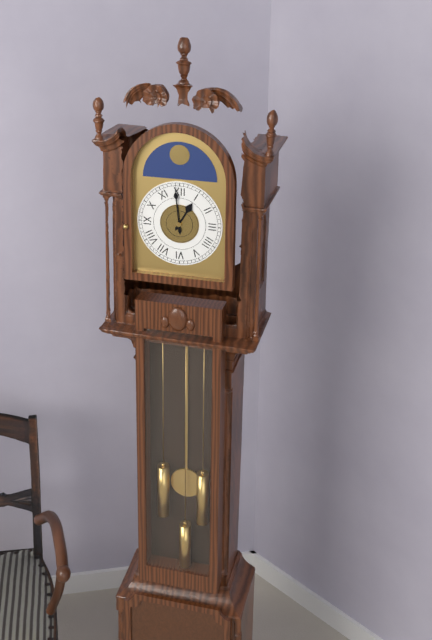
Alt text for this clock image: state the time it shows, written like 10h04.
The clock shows 12h59
